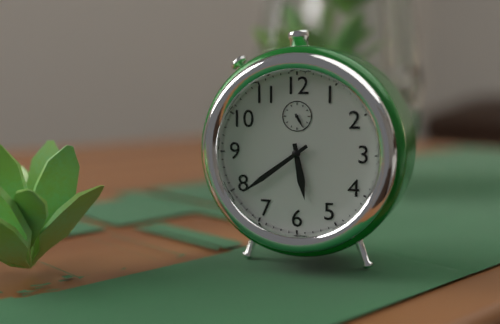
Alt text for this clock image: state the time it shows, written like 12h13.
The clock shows 5h39
